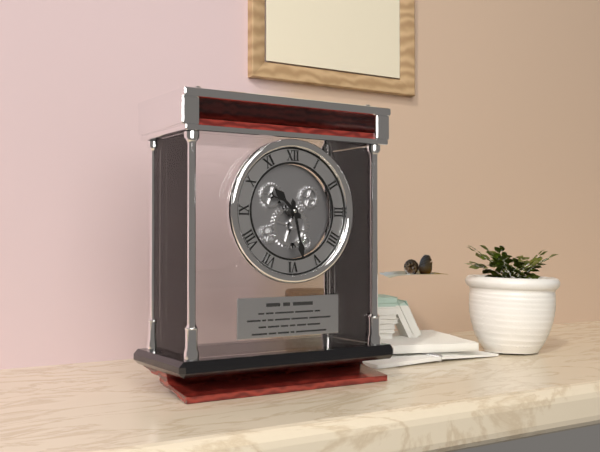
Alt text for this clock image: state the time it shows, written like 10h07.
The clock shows 10h28
